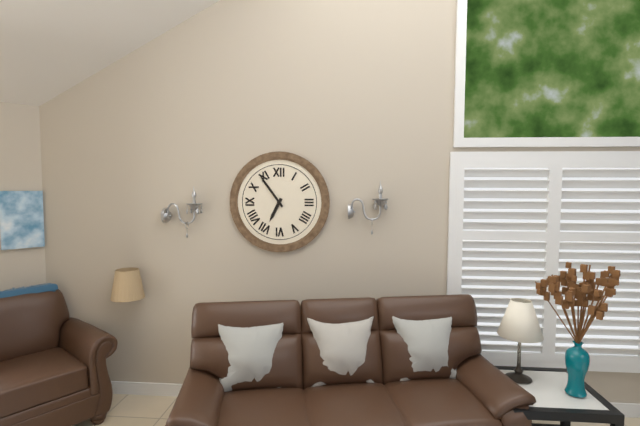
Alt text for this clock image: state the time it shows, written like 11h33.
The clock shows 6h54
